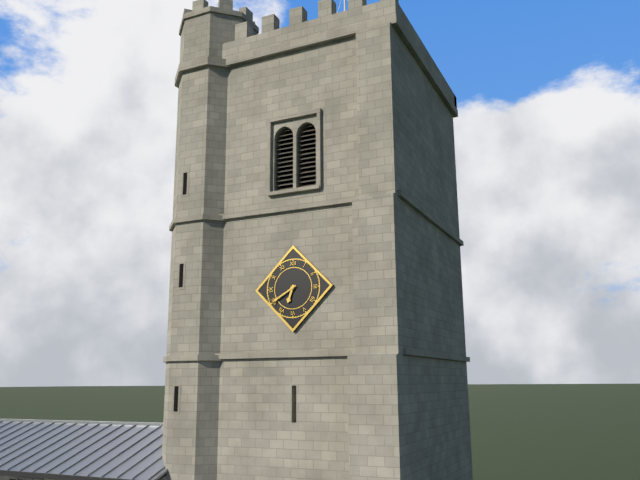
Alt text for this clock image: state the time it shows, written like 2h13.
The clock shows 6h40
